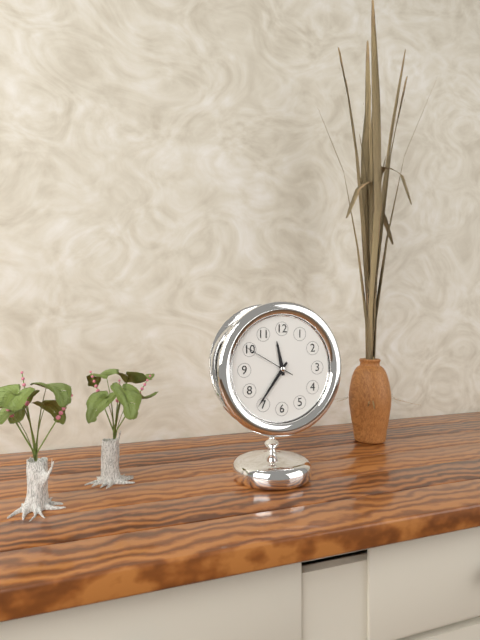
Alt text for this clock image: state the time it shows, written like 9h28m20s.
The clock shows 11h36m50s
